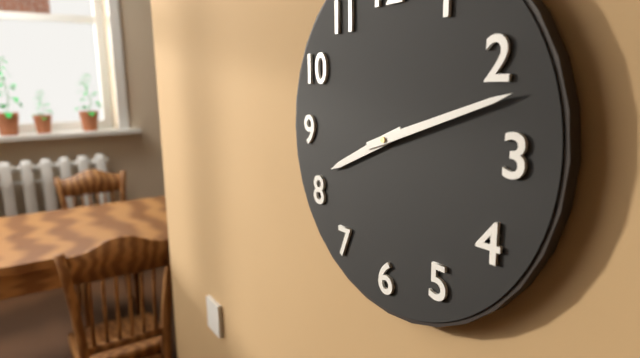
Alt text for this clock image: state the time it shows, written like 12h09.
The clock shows 8h12
